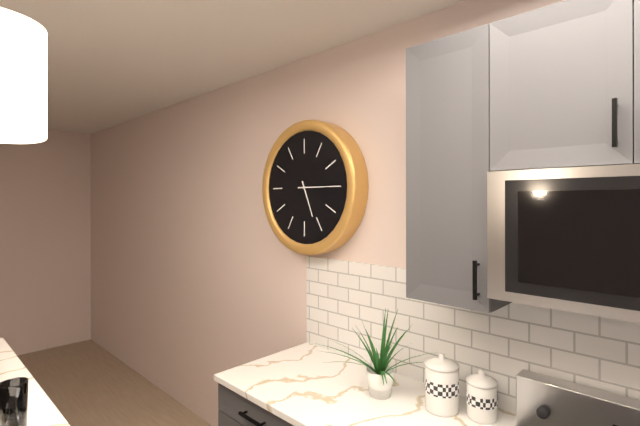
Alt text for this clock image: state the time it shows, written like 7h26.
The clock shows 5h15
